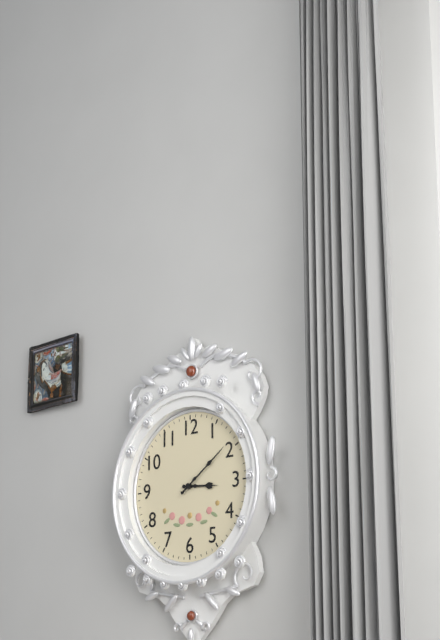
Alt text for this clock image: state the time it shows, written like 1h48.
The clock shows 3h09
